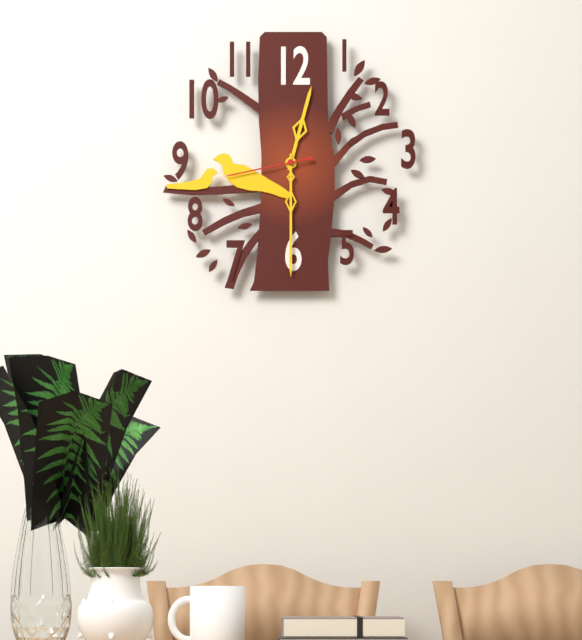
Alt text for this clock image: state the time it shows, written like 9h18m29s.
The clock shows 12h30m43s
